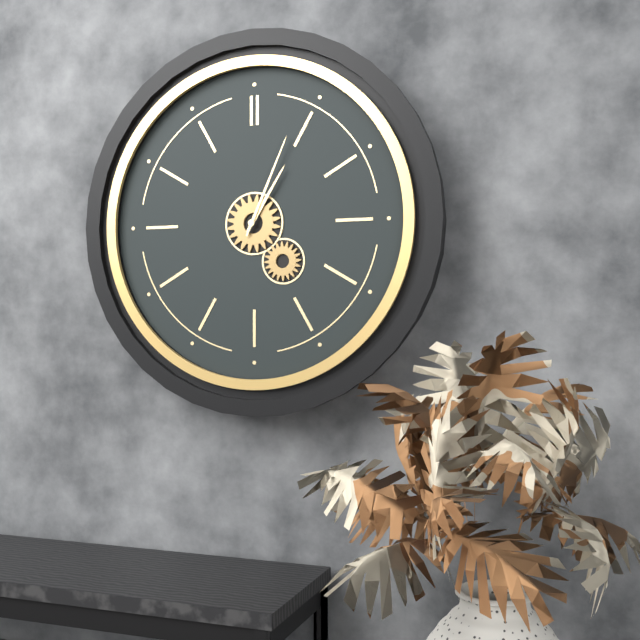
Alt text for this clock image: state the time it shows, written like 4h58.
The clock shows 1h04
